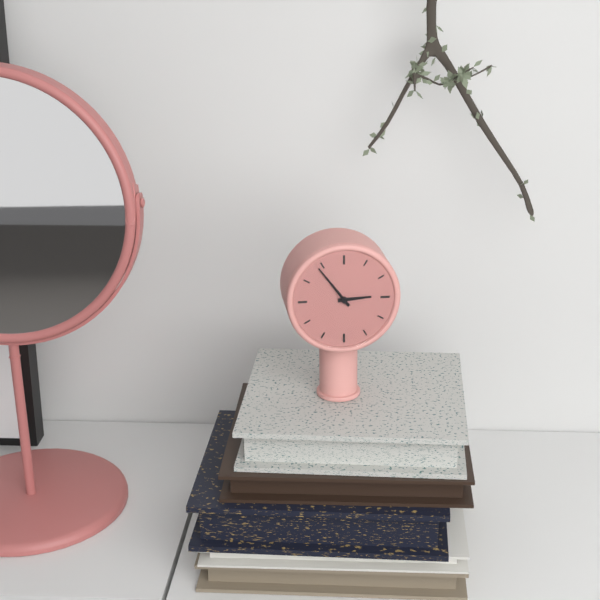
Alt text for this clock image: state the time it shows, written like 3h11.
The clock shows 2h54
